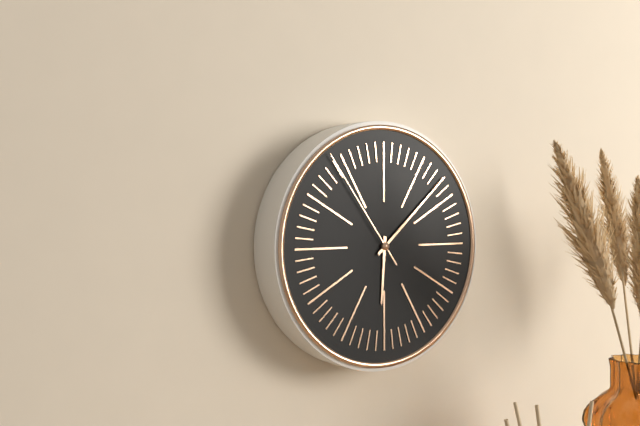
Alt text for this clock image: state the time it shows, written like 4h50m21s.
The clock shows 6h08m54s
